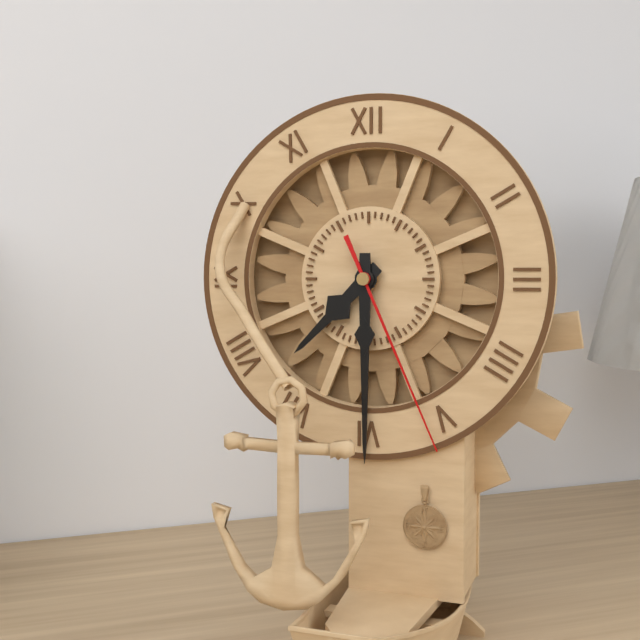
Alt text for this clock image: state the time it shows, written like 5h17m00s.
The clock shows 7h30m26s
